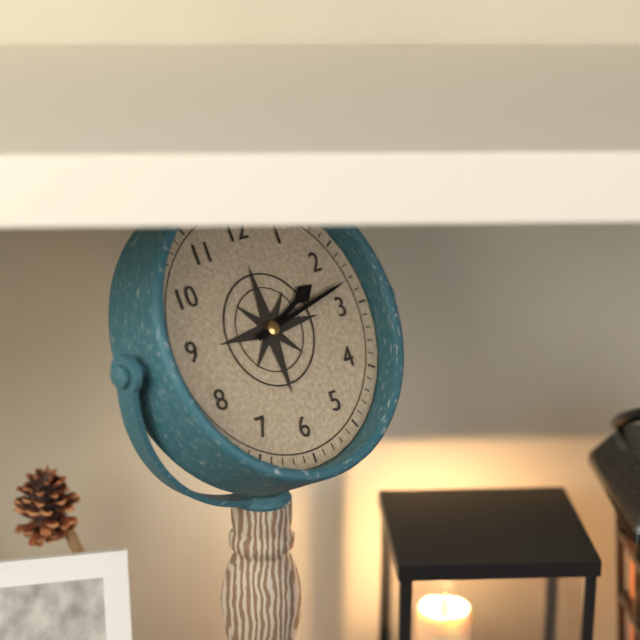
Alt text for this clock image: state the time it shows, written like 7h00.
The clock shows 2h13
